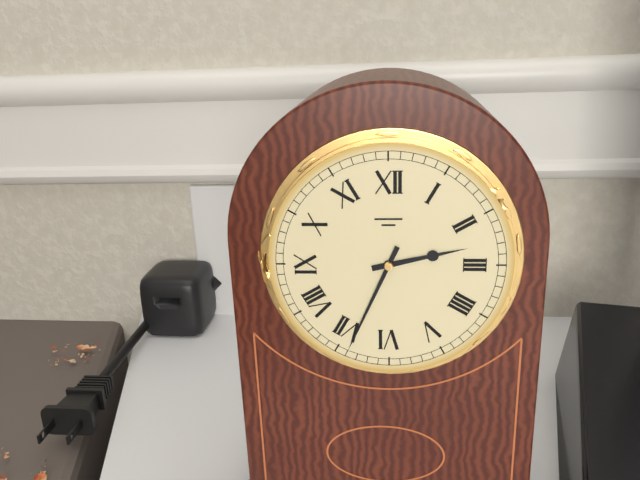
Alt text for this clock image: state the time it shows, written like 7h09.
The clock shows 2h34
